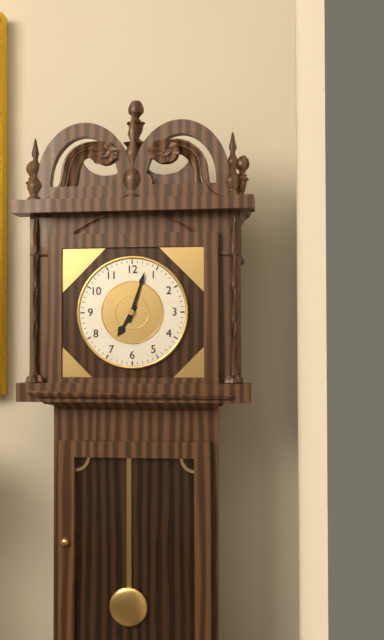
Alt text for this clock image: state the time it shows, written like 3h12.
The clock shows 7h03
